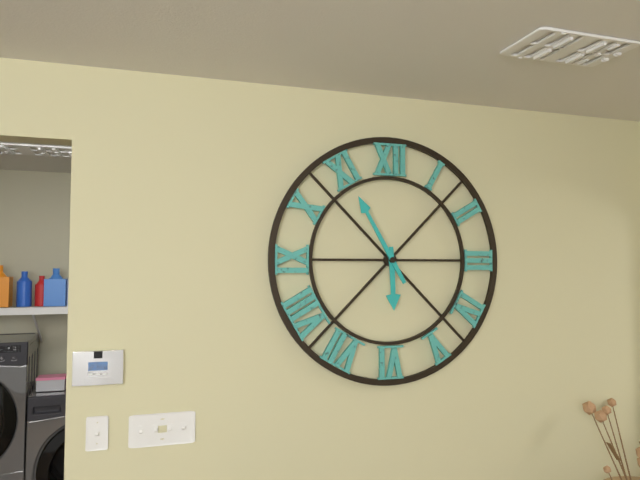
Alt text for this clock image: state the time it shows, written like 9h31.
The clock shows 5h55
